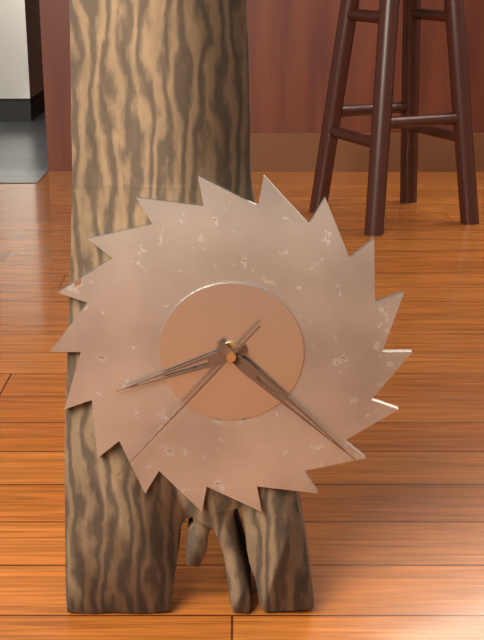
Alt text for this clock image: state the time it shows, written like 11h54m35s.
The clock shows 8h22m37s
